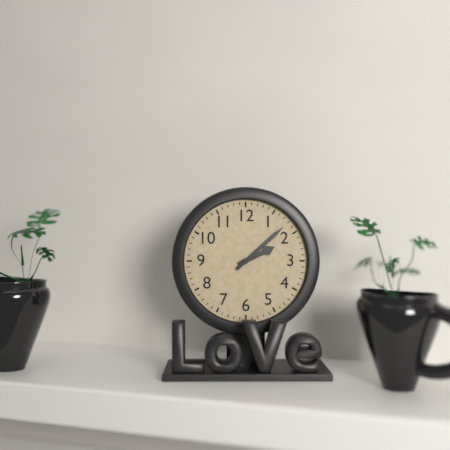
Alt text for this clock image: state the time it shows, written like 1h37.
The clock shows 2h08
